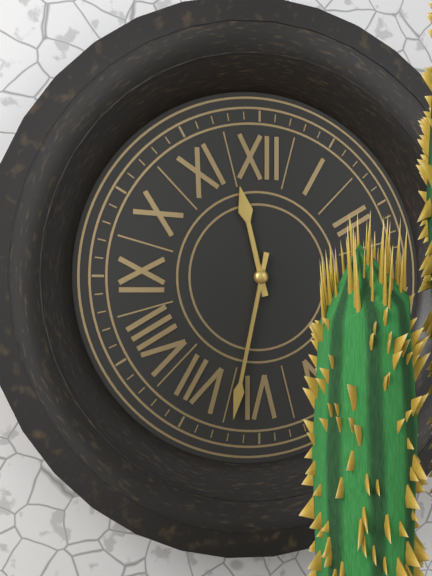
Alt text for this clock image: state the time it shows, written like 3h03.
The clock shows 11h32
